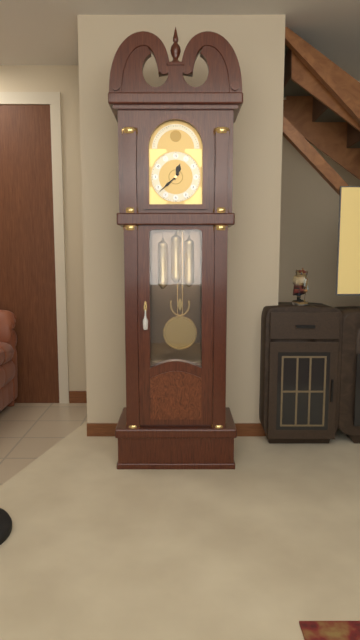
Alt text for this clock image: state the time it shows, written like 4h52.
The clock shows 12h38
